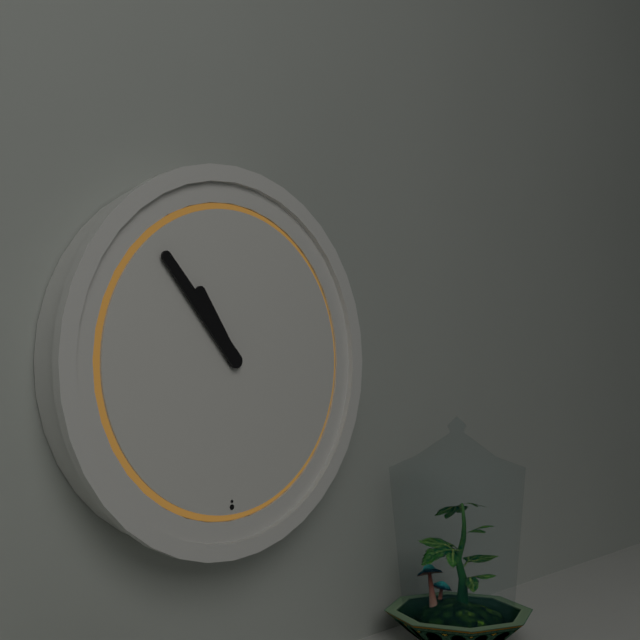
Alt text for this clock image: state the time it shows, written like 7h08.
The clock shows 10h53
